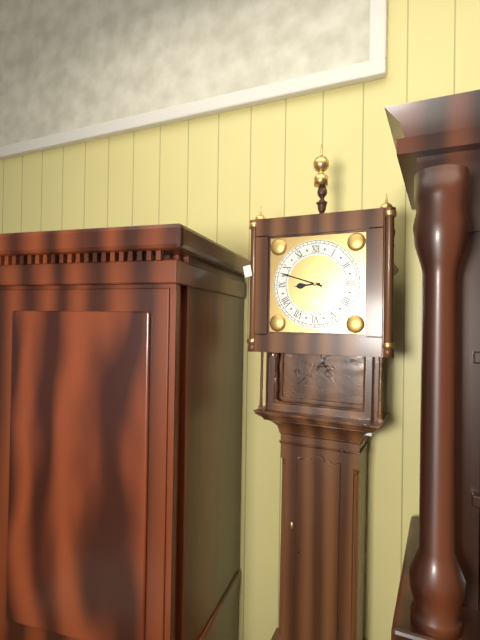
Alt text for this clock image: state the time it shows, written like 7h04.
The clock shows 8h48
